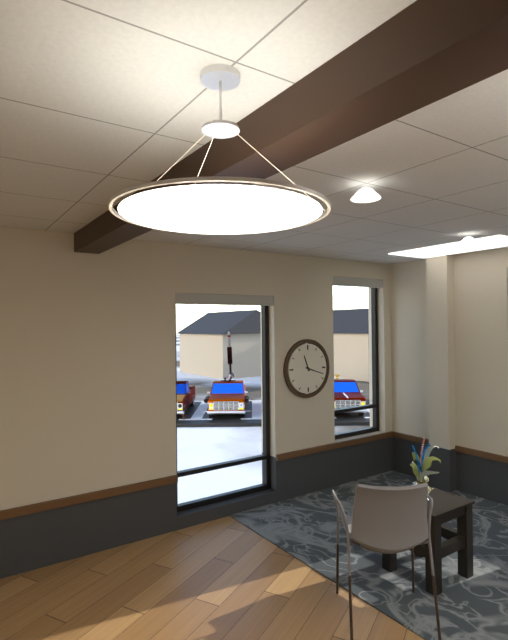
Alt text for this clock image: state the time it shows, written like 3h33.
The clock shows 11h18
